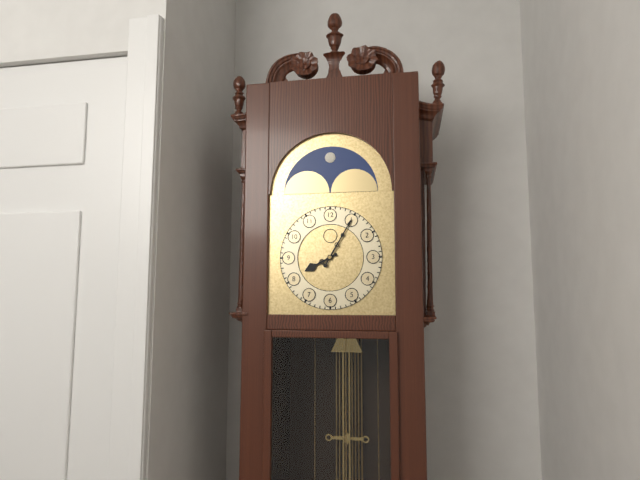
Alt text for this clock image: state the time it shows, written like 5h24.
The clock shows 8h05
